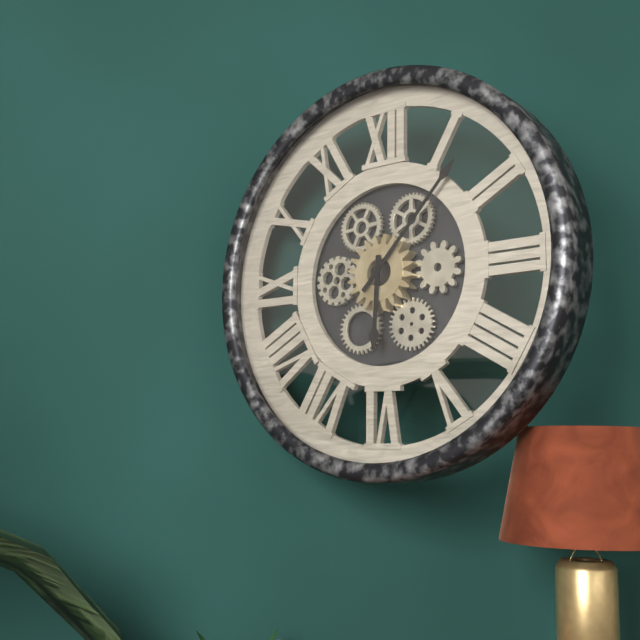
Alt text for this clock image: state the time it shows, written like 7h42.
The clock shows 6h07
